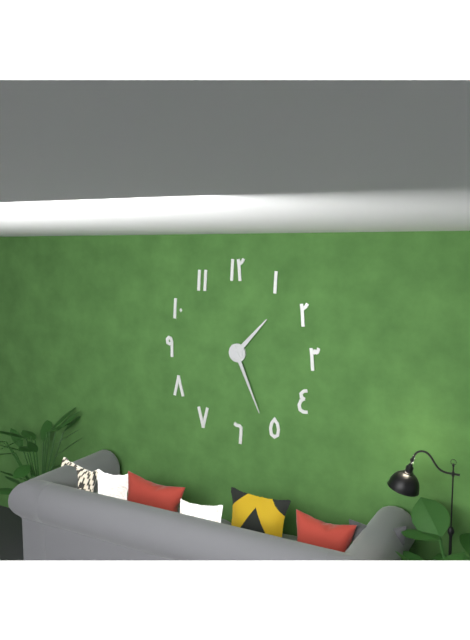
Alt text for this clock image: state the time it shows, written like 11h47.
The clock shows 1h26
